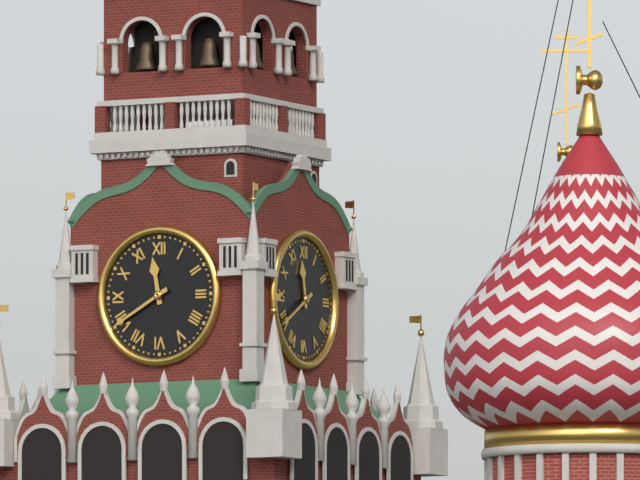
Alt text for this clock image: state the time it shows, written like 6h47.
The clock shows 11h40
